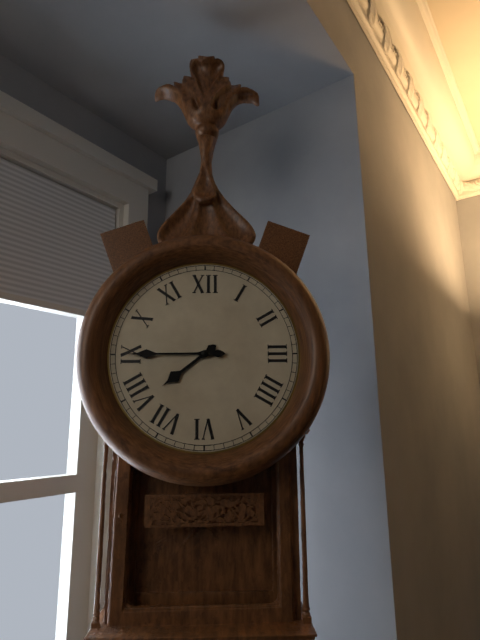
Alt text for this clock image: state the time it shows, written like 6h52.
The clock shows 7h45
